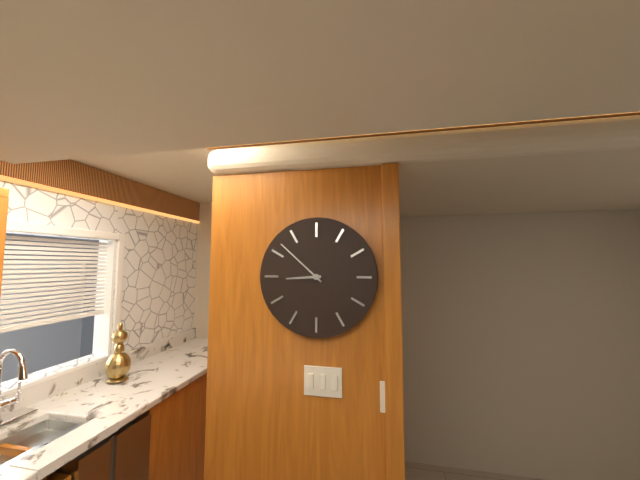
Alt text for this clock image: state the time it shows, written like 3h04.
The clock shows 8h52
